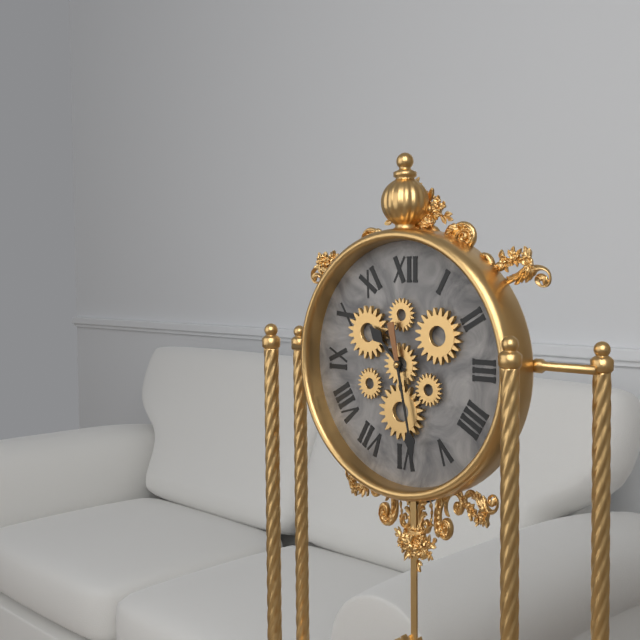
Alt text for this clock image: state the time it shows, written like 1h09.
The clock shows 10h28
